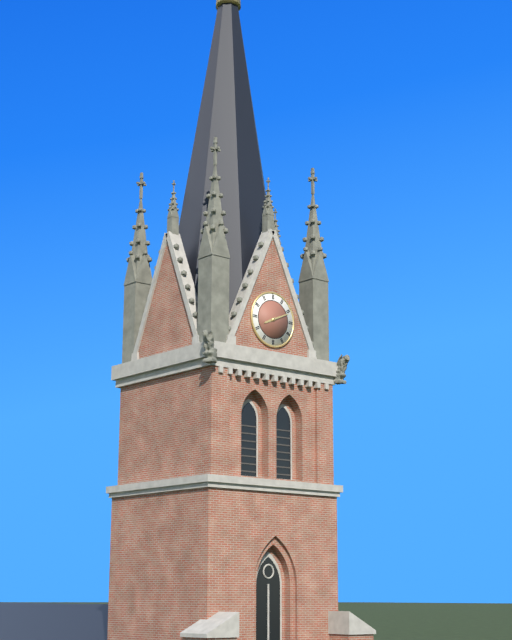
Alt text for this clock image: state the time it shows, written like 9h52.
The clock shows 8h11
